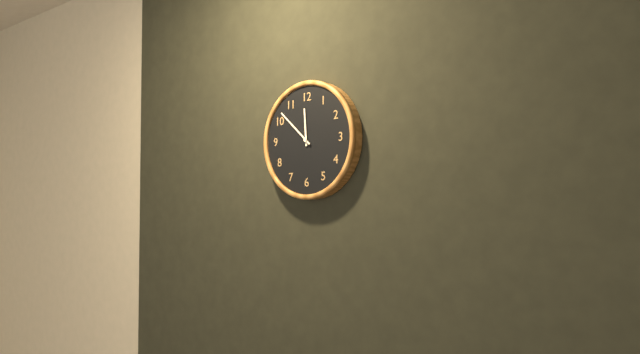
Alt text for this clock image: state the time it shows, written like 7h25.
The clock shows 11h52
